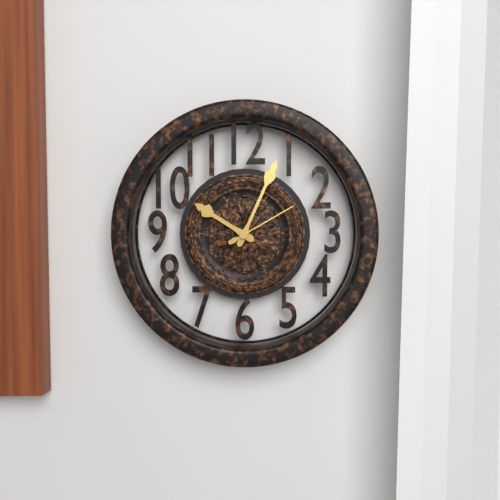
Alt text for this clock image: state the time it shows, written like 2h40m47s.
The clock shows 10h04m10s
